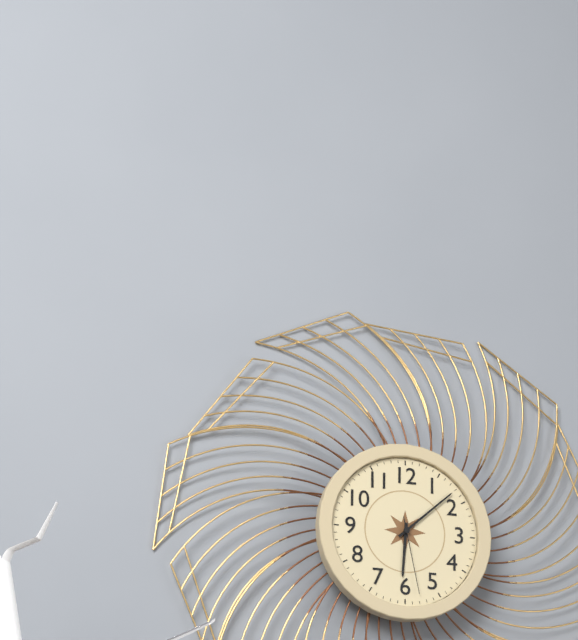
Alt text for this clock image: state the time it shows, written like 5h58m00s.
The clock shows 6h08m28s
